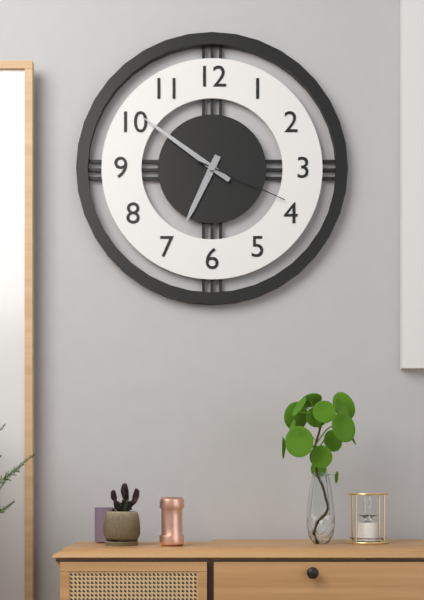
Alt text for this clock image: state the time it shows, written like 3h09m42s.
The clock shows 6h51m19s
